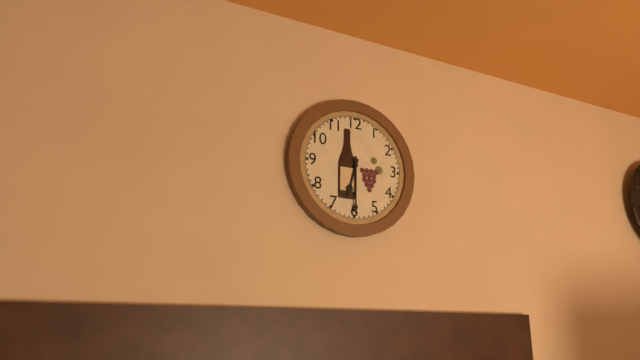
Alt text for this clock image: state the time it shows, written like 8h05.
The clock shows 6h30
